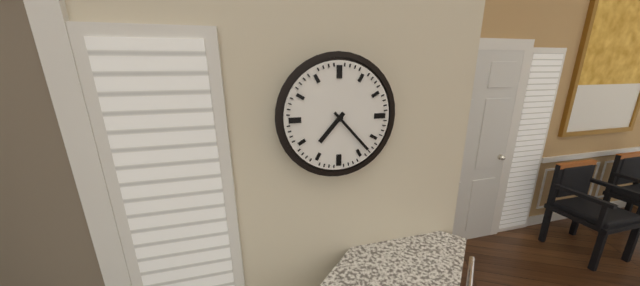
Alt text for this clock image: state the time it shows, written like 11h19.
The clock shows 7h23
